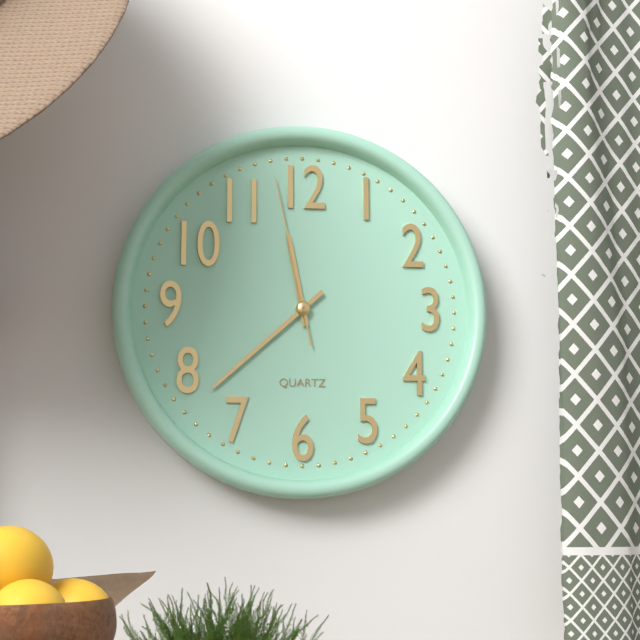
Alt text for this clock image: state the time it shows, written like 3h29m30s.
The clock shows 11h38m58s
